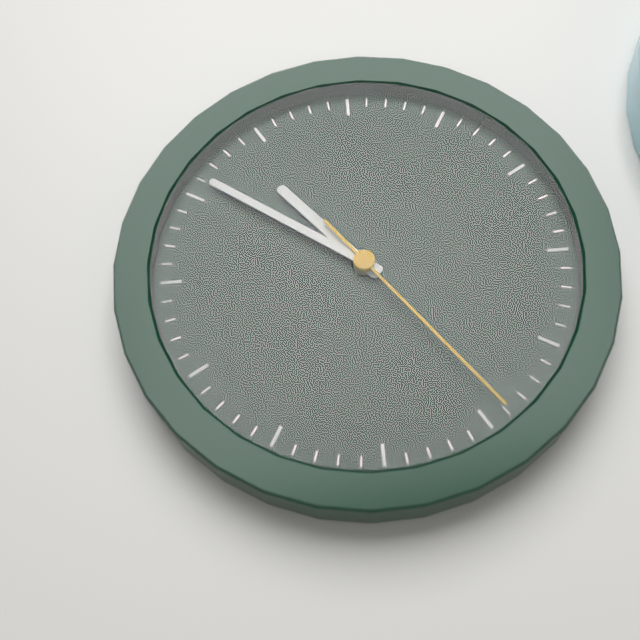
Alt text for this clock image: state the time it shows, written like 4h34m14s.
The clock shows 8h41m14s
